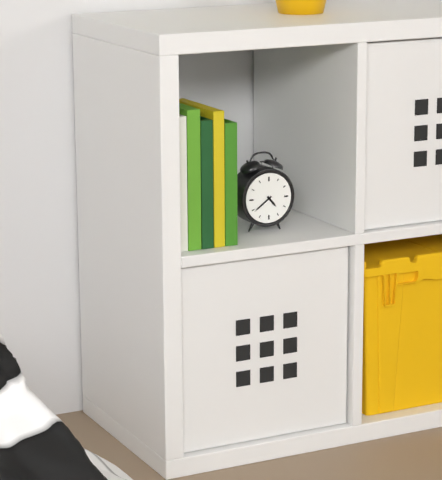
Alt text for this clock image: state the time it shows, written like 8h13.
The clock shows 4h39
